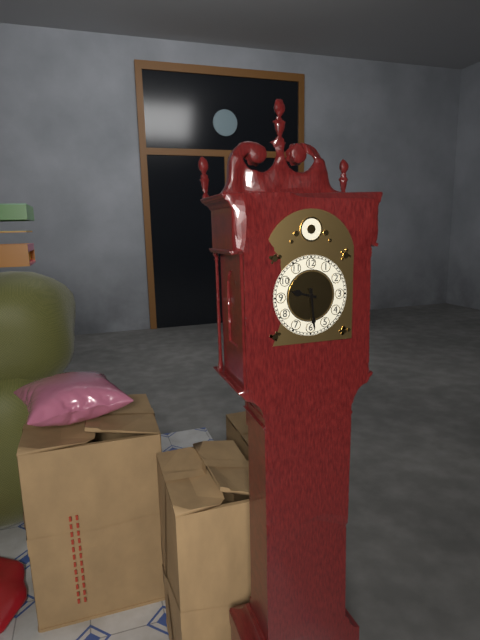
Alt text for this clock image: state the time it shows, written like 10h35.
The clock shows 9h29
